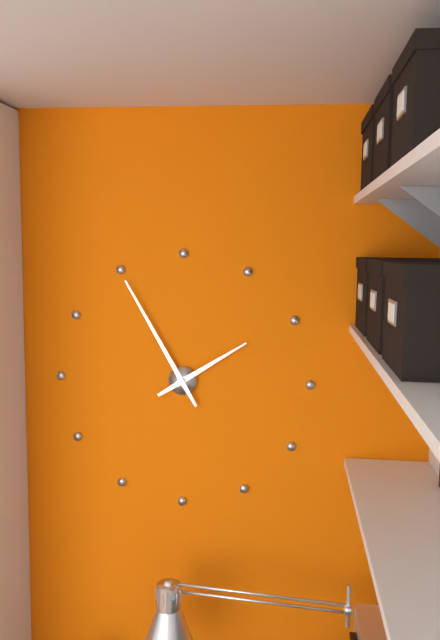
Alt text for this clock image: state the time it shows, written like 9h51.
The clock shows 1h55
